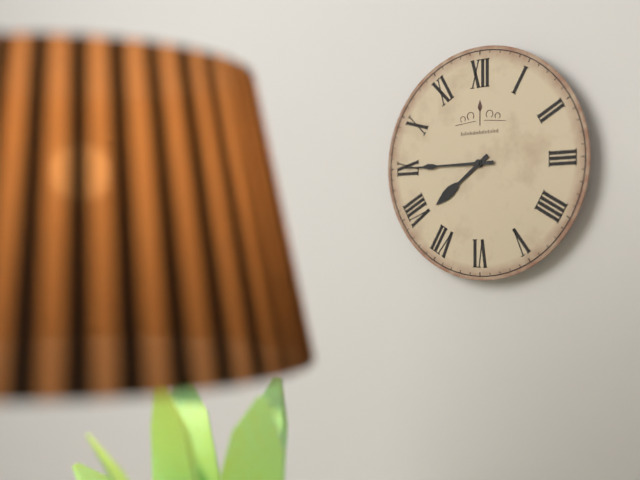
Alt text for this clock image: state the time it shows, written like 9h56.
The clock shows 7h45
